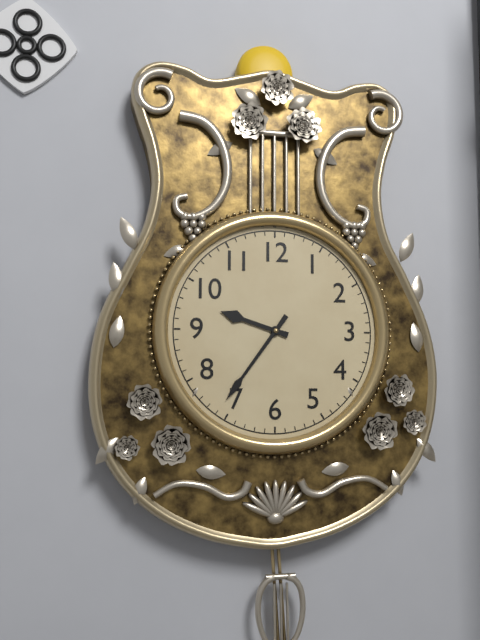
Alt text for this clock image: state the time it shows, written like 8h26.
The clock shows 9h36
